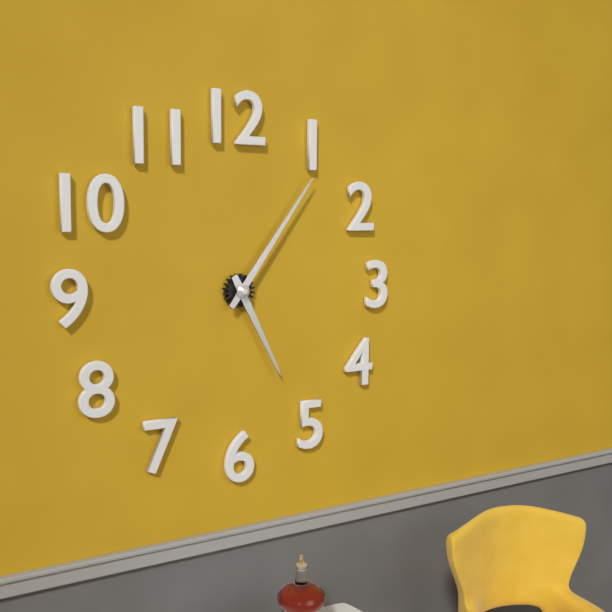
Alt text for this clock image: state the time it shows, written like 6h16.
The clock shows 5h06
